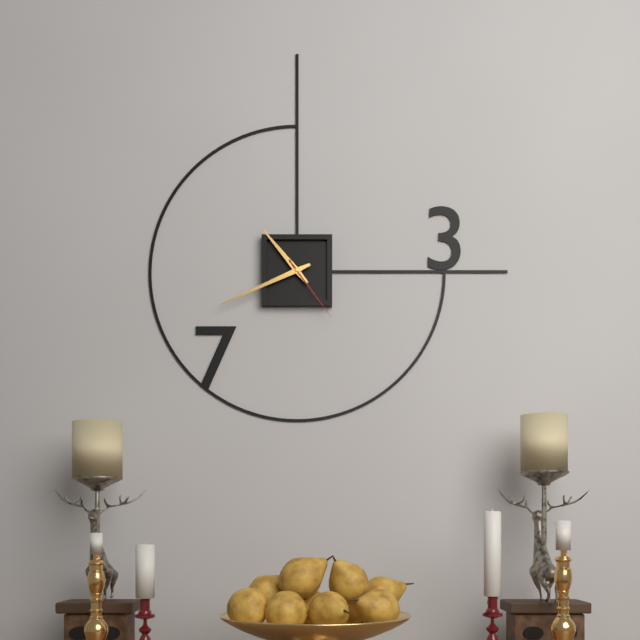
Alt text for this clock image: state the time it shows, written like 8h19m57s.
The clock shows 10h41m24s
